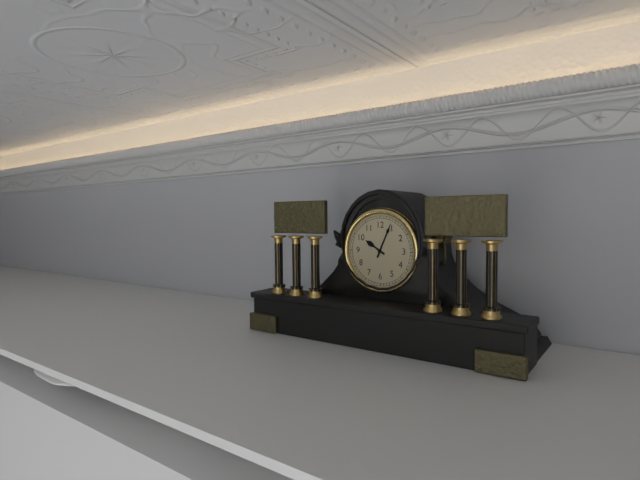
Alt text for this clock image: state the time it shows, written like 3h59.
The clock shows 10h04
